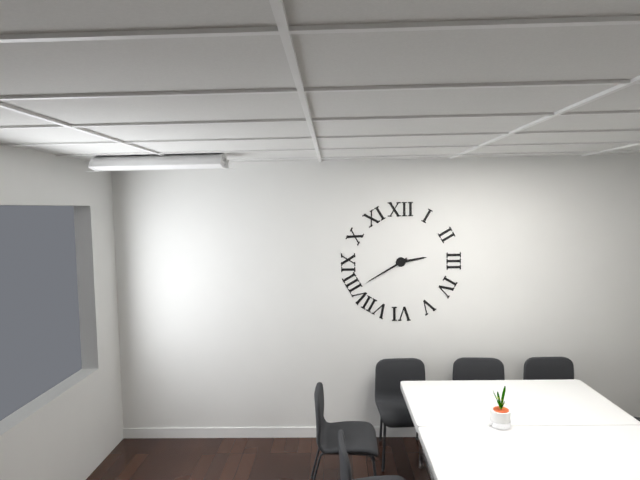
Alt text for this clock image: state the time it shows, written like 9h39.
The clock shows 2h40
